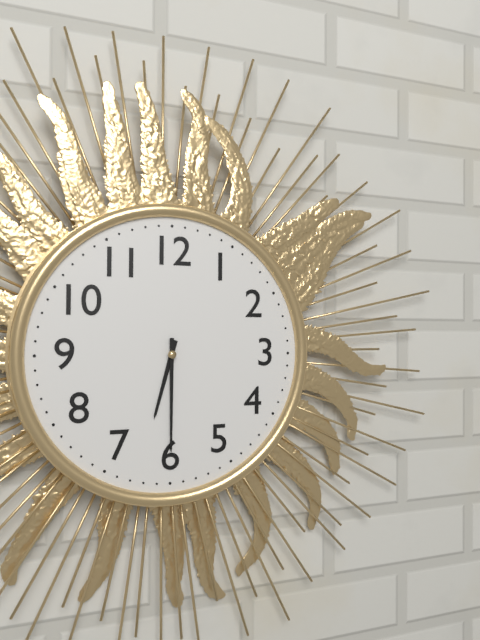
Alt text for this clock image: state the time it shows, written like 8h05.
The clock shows 6h30
